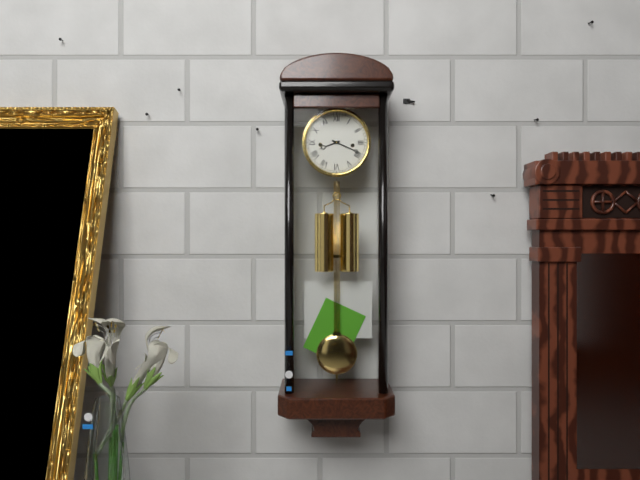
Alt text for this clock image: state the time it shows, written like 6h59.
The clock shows 8h19
